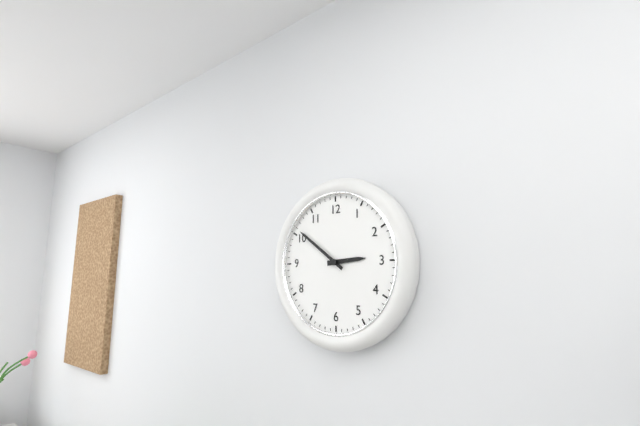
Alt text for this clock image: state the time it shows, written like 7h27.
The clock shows 2h51
